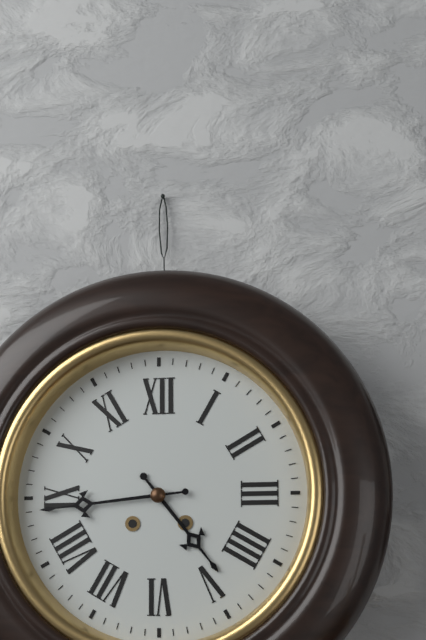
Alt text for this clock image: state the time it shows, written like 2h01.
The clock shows 4h44
